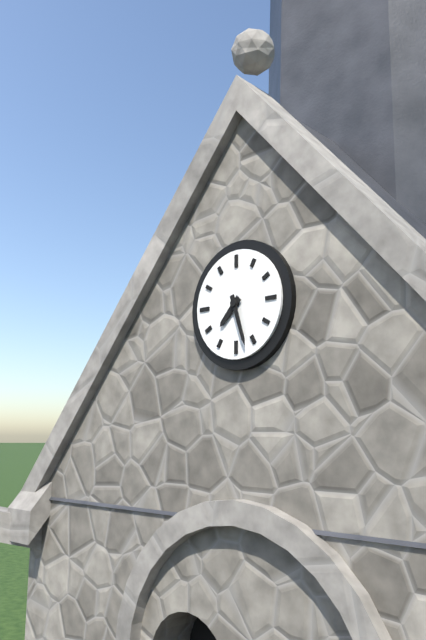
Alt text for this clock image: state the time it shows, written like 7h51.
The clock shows 7h27
